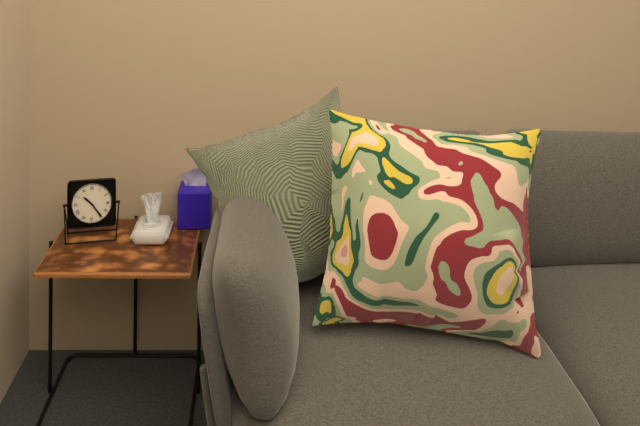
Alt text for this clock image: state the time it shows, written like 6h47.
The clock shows 10h24
